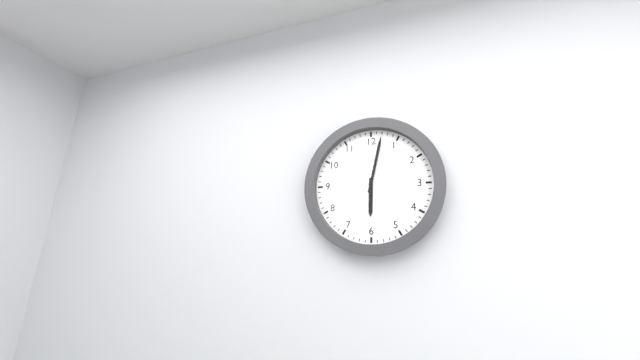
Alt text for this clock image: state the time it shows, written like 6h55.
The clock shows 6h02
